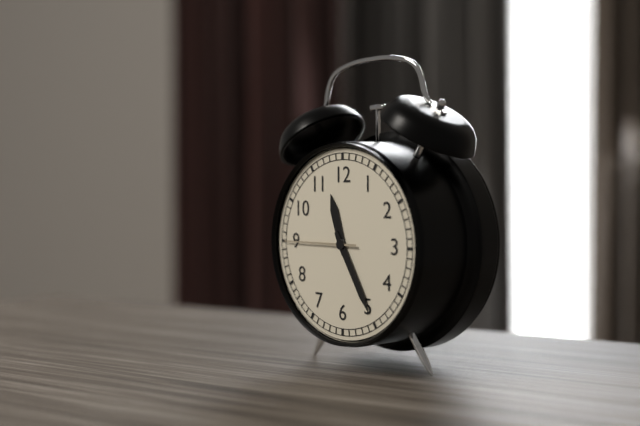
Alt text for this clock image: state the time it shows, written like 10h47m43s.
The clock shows 11h25m45s
